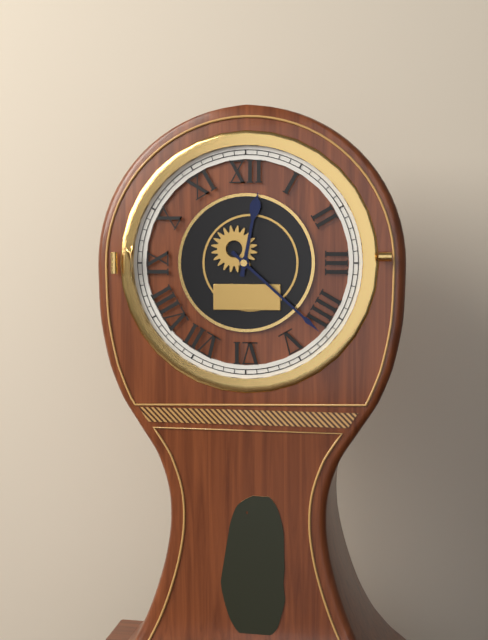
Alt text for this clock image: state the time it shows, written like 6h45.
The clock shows 12h22
